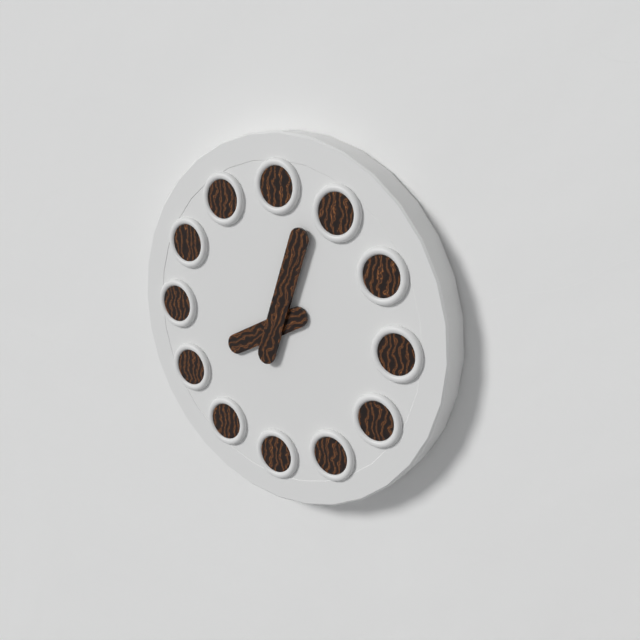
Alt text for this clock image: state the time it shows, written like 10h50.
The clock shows 8h03
